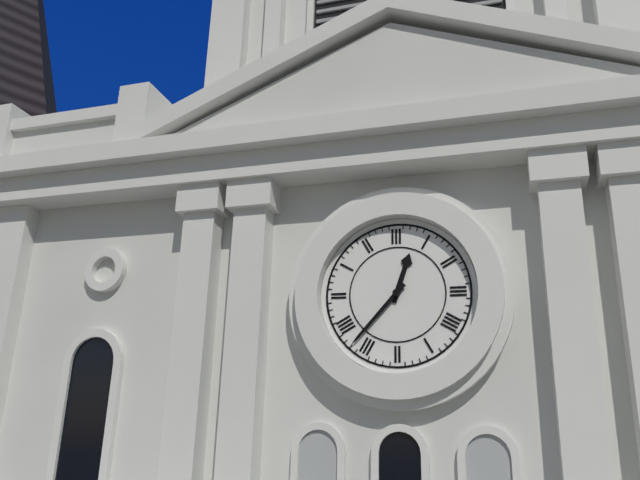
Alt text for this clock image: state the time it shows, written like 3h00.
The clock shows 12h37
